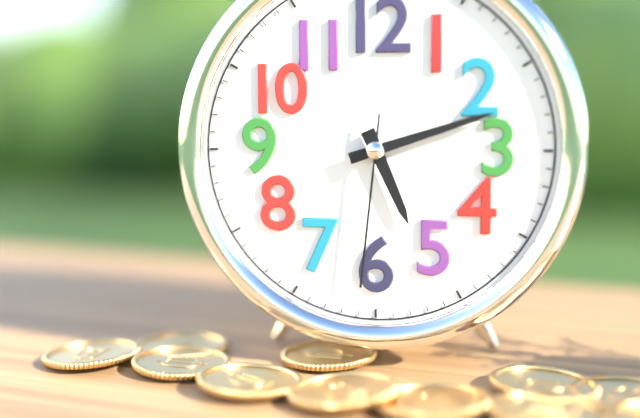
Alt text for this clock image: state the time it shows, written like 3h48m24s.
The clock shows 5h12m31s
